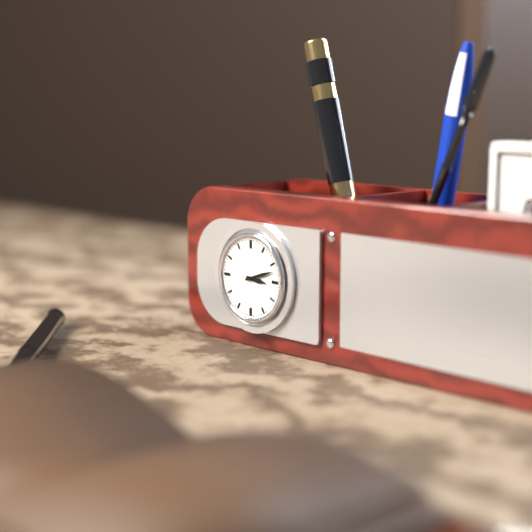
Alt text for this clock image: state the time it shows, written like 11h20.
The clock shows 3h12
